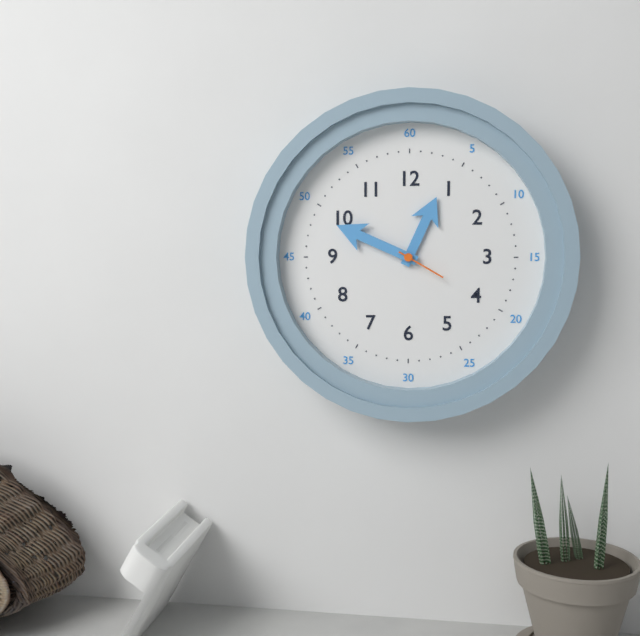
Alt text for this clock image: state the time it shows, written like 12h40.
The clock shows 12h49
